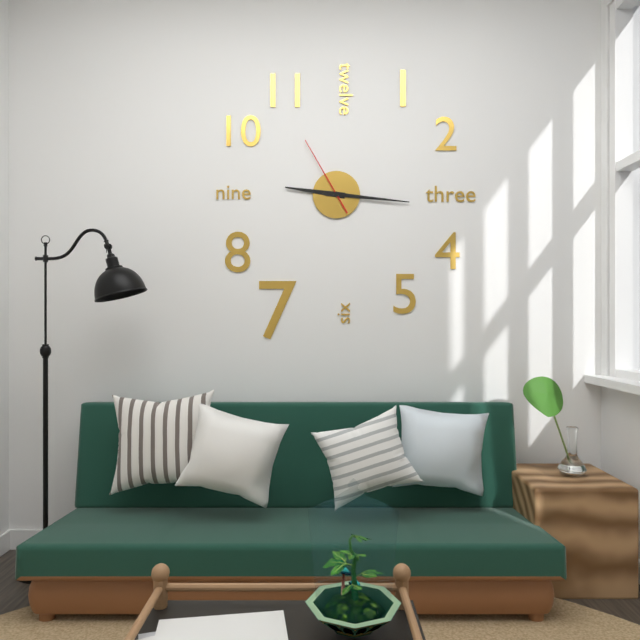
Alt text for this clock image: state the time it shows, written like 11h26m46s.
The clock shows 9h16m55s
